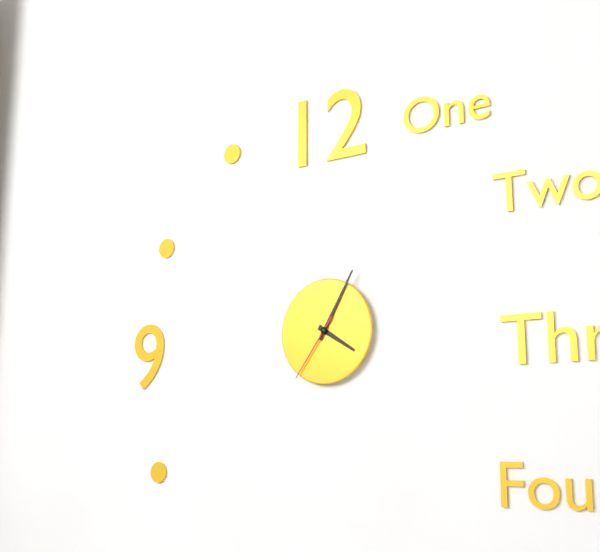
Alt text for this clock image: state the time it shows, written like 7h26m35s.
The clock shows 4h05m36s
